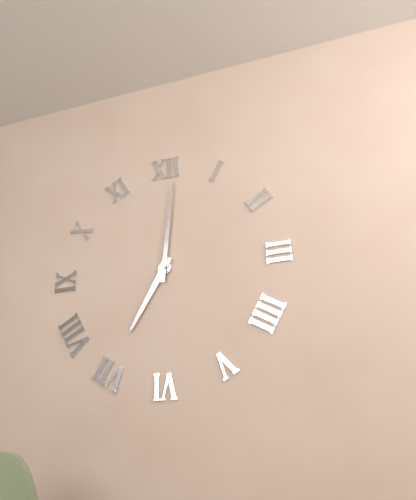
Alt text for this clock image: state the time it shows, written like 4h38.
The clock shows 7h01
